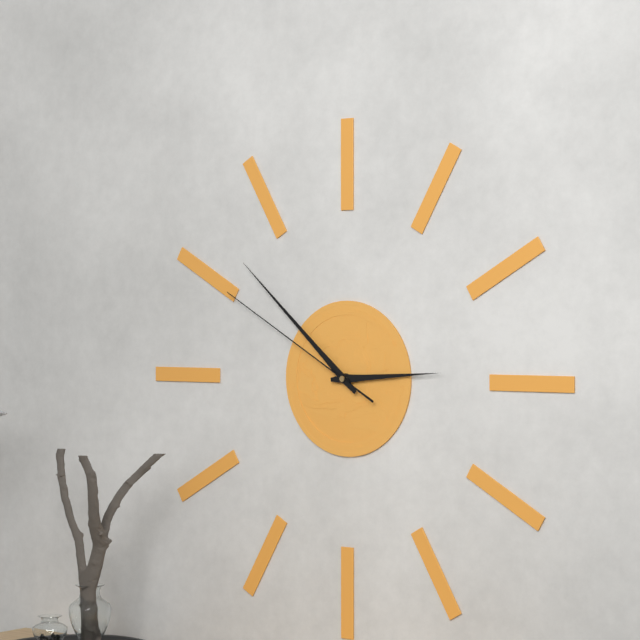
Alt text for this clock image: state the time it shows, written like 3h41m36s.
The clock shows 2h52m50s
